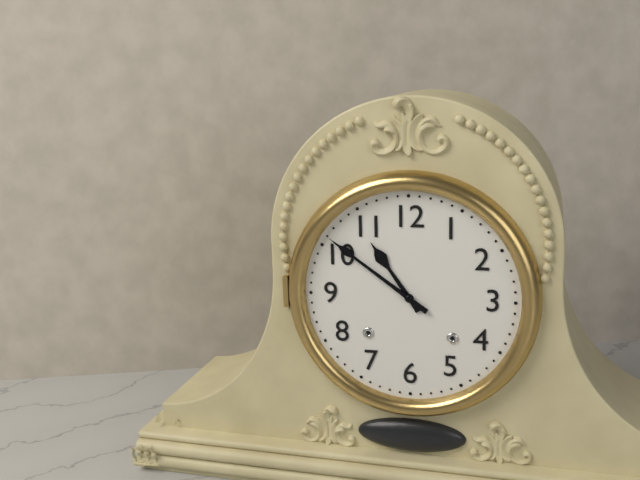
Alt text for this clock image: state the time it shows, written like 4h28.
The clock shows 10h51
